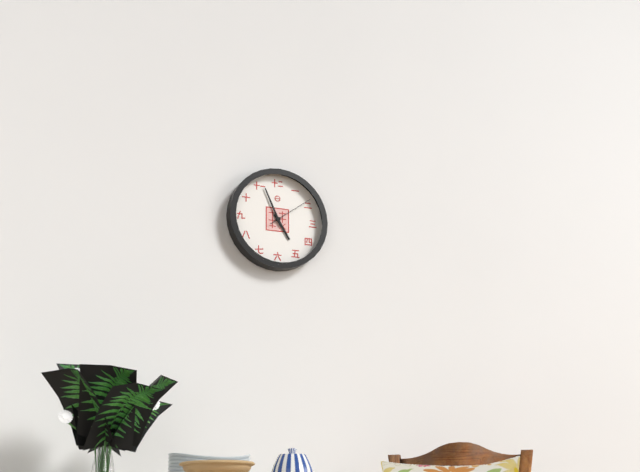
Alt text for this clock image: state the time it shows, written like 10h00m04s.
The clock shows 4h56m09s
